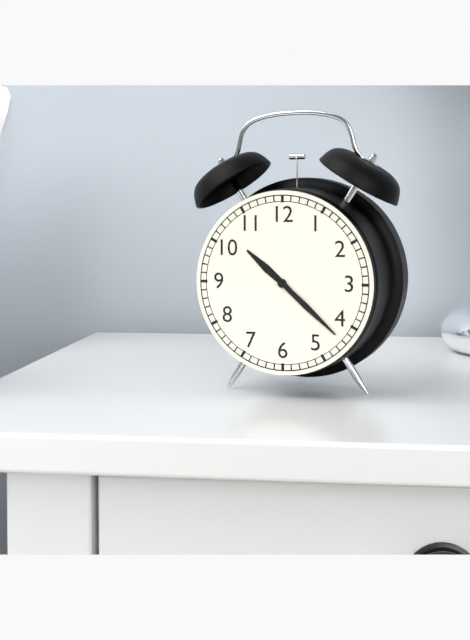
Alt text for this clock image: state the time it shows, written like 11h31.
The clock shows 10h22
